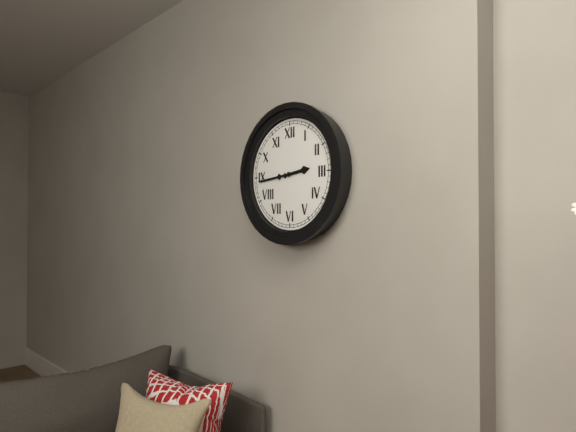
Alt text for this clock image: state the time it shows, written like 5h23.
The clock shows 2h44
